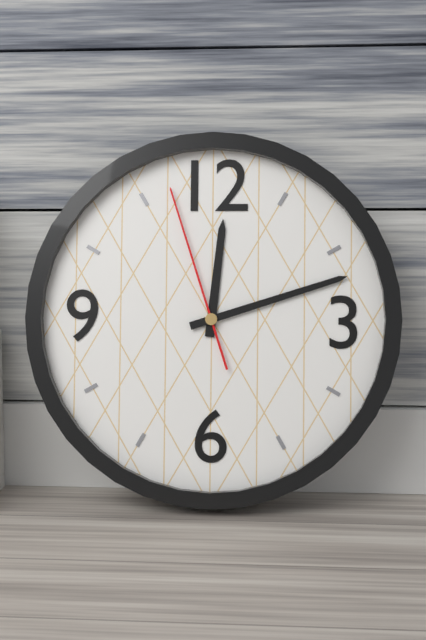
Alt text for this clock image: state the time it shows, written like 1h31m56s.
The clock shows 12h12m57s
